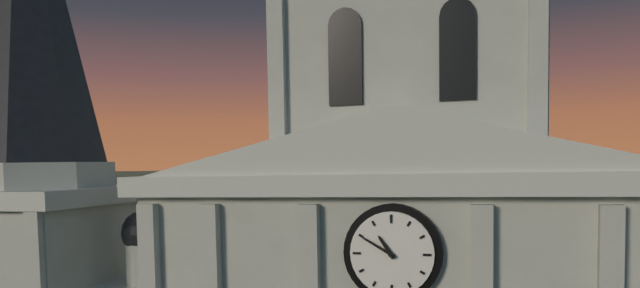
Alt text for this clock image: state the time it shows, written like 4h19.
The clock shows 10h50
